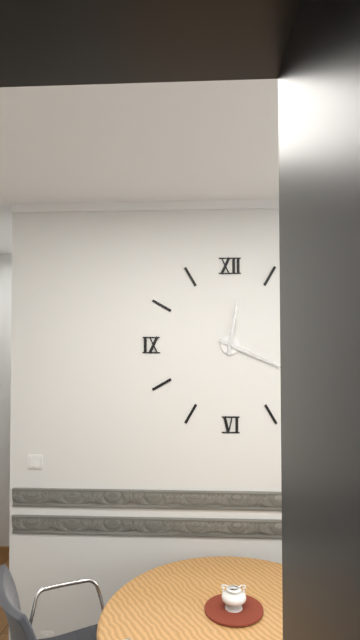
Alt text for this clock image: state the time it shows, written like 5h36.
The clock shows 12h19
